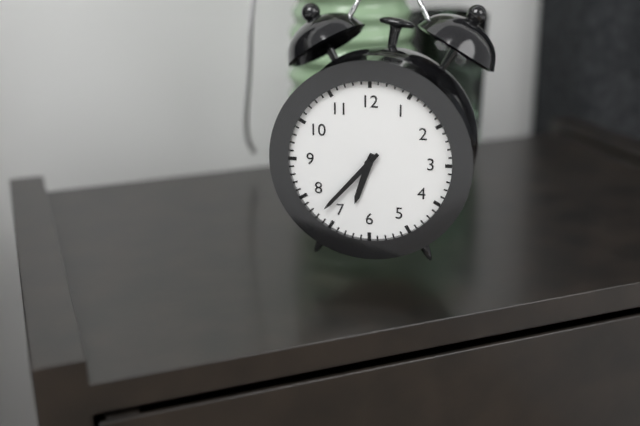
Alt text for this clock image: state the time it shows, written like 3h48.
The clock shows 6h37
